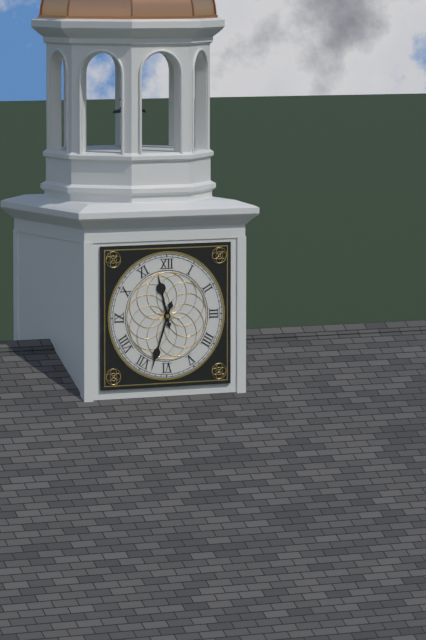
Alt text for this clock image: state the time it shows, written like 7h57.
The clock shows 11h33
